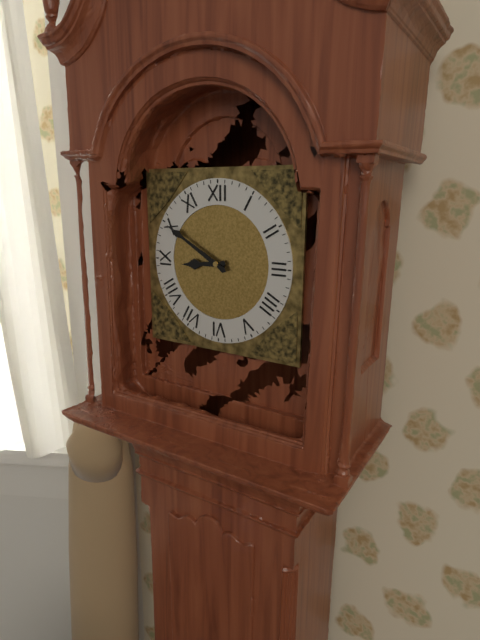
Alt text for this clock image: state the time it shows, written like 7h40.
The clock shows 8h50
